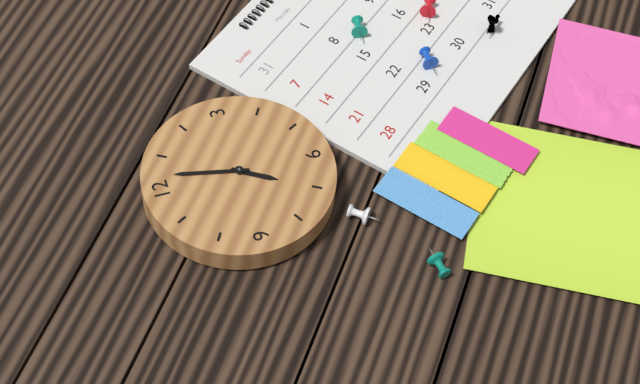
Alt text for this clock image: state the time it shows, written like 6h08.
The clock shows 7h02
